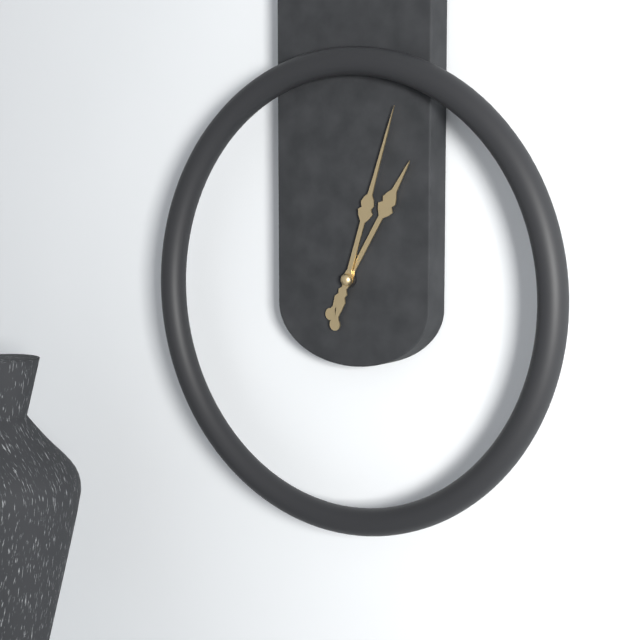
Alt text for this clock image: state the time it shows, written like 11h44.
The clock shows 1h03
